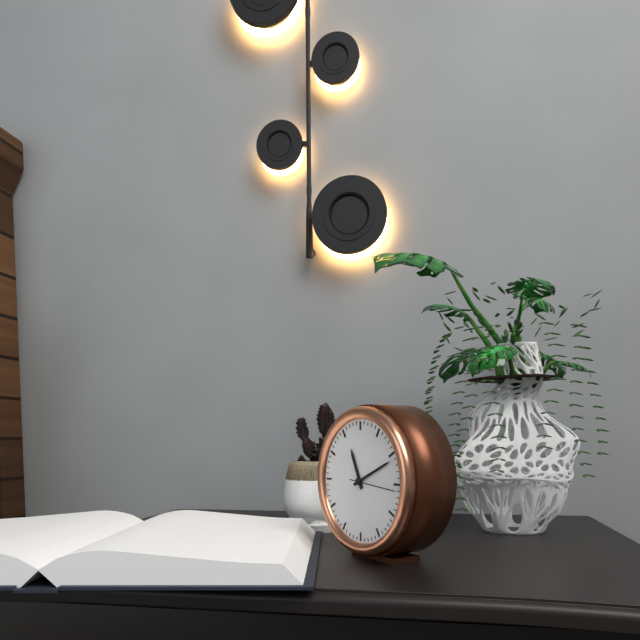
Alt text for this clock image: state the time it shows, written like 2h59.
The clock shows 11h11
